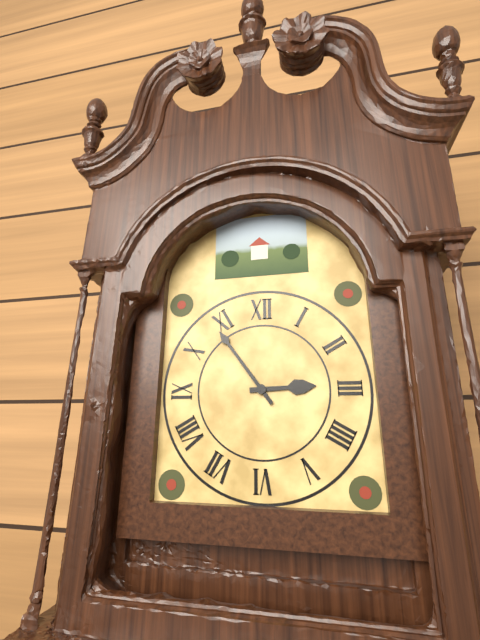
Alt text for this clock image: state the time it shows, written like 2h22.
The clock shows 2h54
